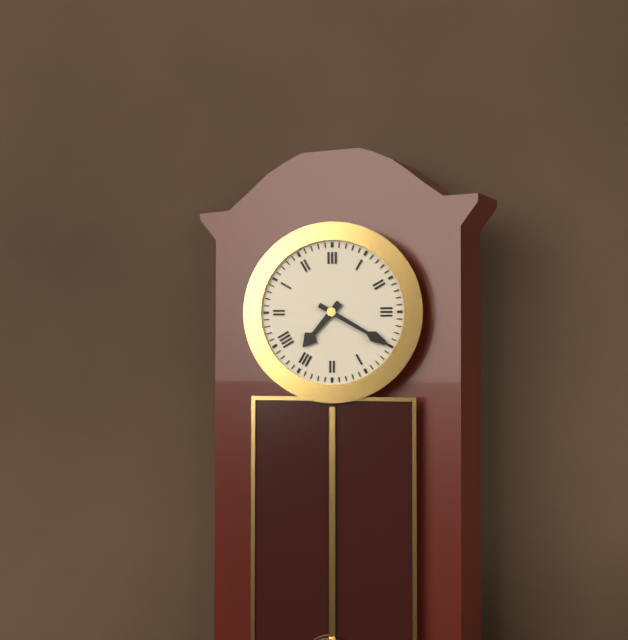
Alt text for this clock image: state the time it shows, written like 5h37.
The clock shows 7h20
